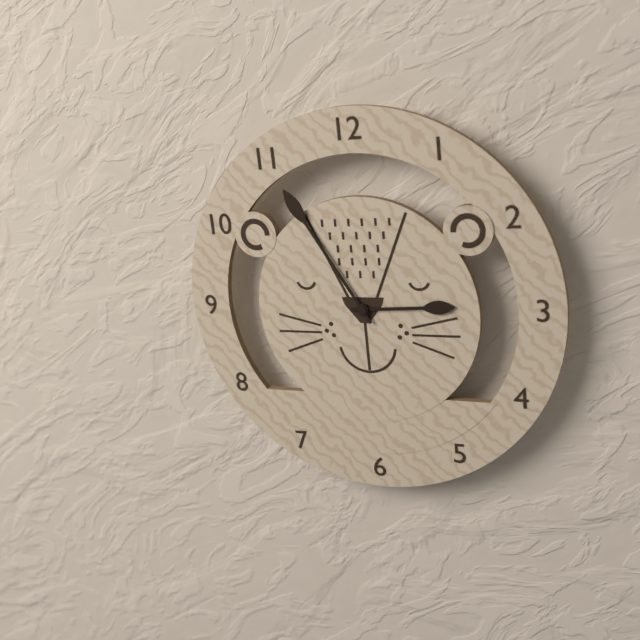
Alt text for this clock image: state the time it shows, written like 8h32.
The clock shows 2h55
